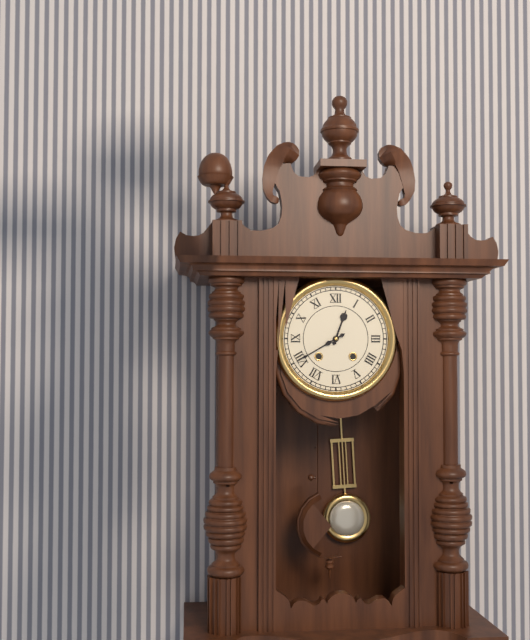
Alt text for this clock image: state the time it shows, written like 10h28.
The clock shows 12h40
